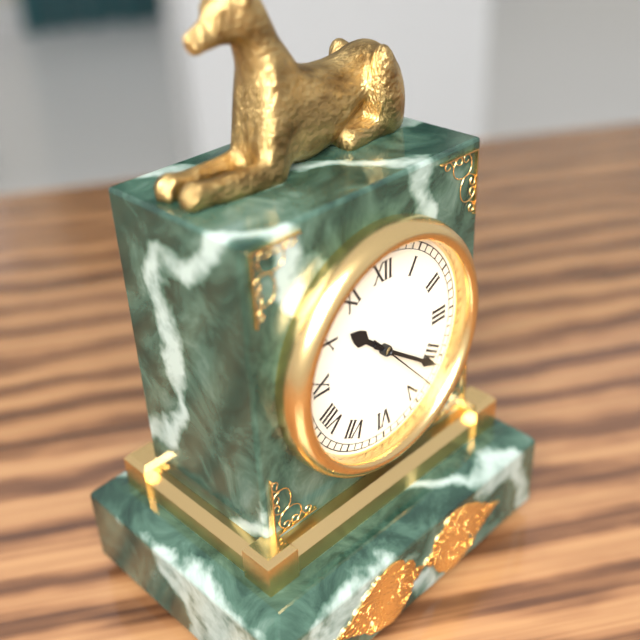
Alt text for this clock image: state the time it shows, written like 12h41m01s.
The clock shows 10h21m23s
